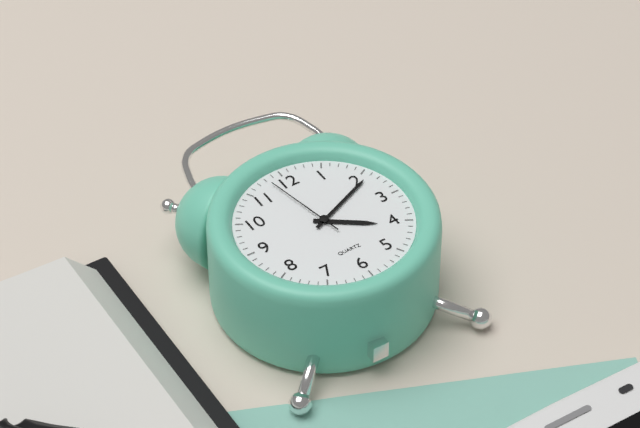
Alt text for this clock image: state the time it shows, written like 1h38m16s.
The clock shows 4h11m58s
